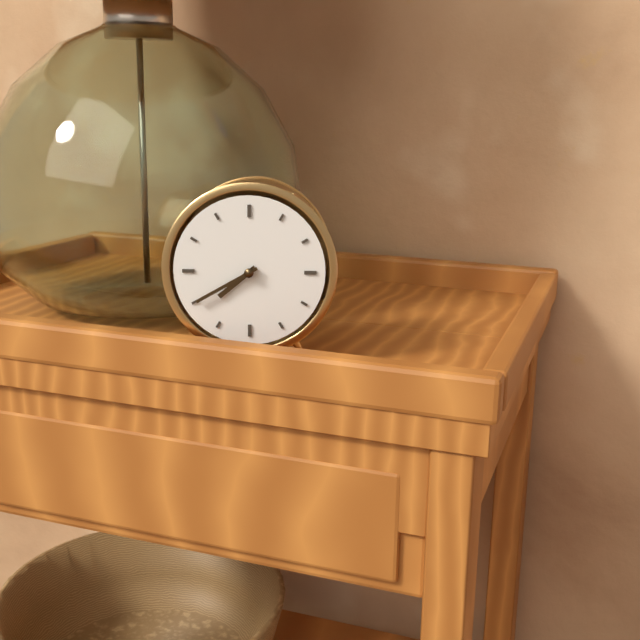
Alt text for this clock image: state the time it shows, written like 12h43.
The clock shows 7h40
